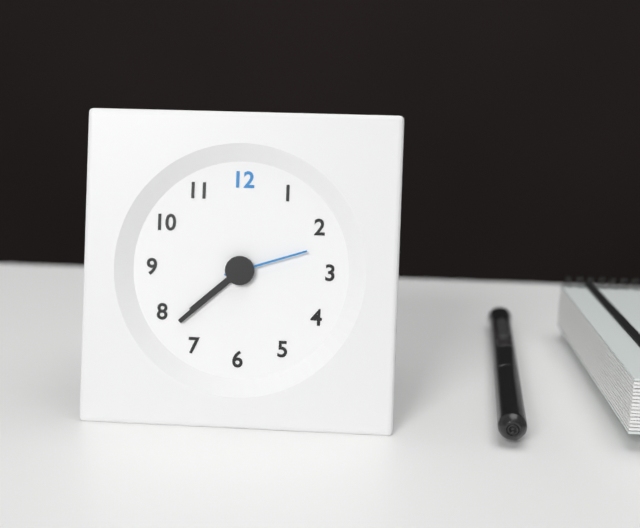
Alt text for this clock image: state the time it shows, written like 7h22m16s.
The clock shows 7h38m12s
